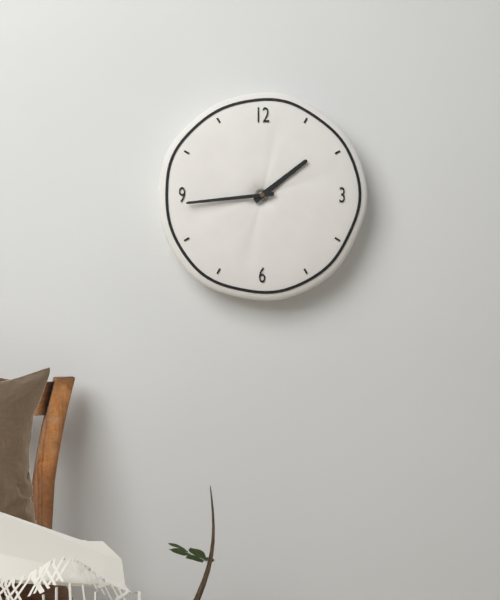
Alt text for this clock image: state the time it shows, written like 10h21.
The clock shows 1h44
